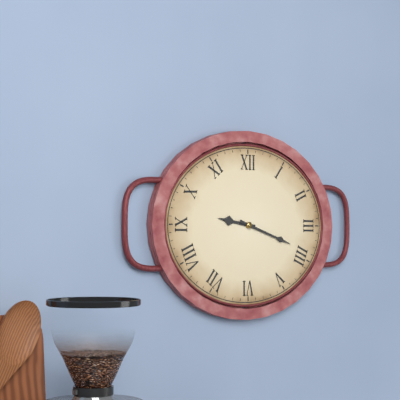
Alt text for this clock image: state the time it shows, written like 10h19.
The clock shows 9h18
